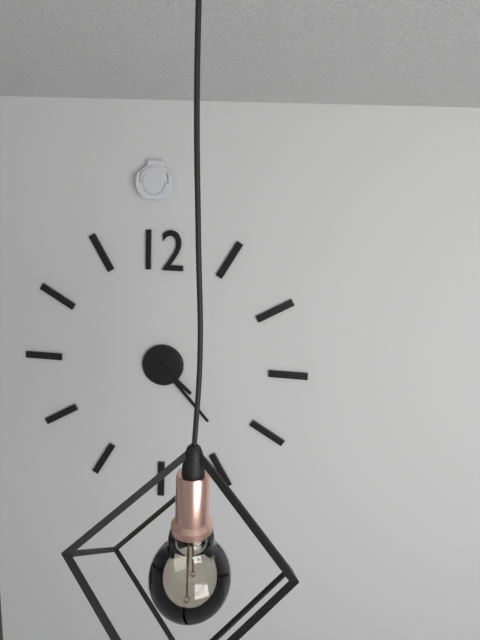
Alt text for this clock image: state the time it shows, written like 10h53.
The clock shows 4h23
